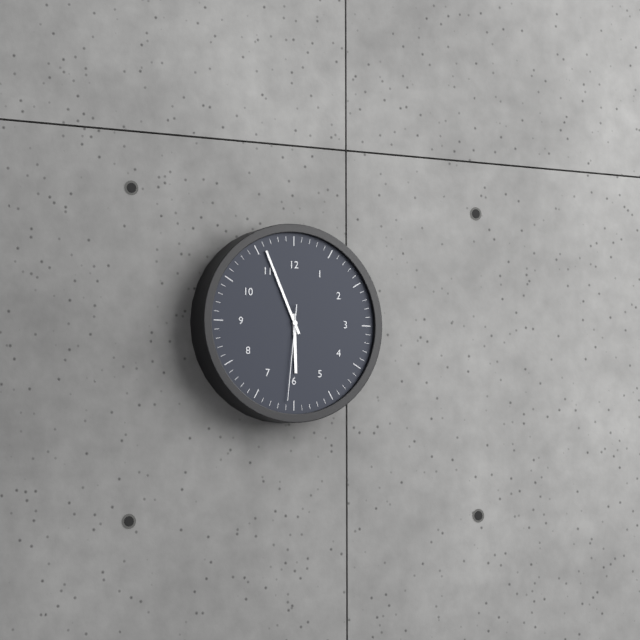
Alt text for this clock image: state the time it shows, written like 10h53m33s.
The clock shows 5h56m31s
